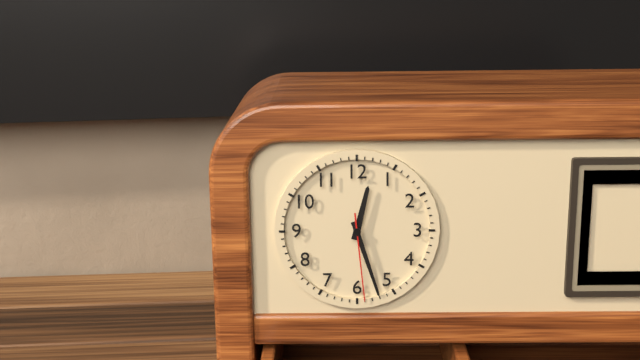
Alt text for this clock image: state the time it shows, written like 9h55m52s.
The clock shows 12h27m29s
